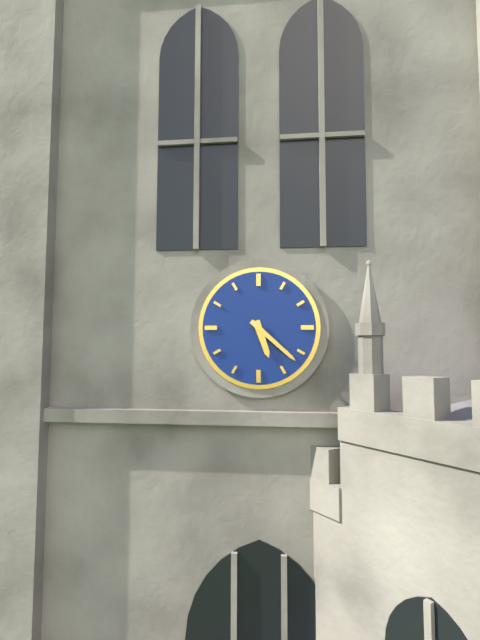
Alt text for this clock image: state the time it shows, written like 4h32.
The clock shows 5h22
